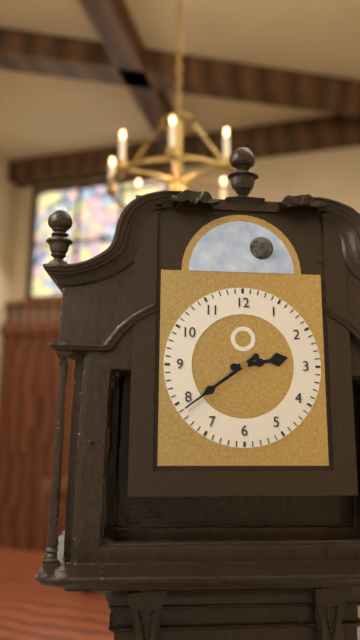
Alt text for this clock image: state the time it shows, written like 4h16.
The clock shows 2h39
